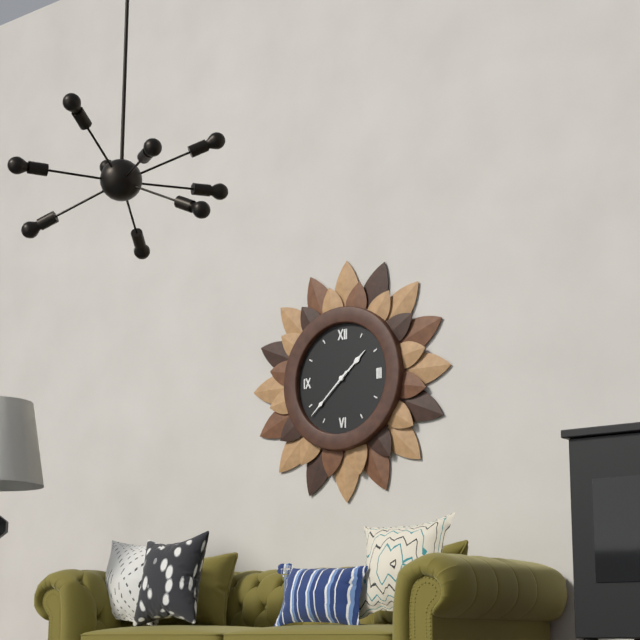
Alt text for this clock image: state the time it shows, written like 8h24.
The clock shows 1h38
